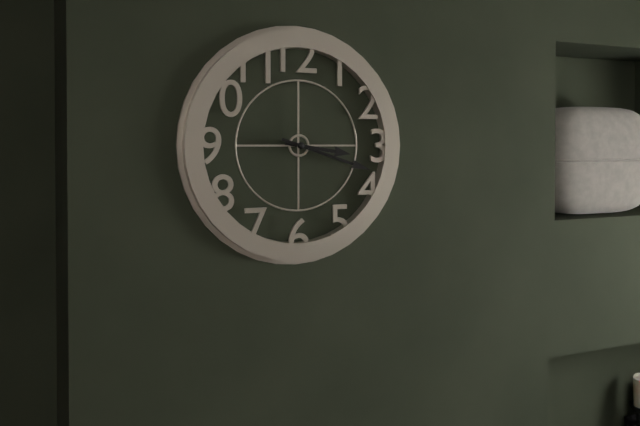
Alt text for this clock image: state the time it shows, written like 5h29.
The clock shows 3h18
